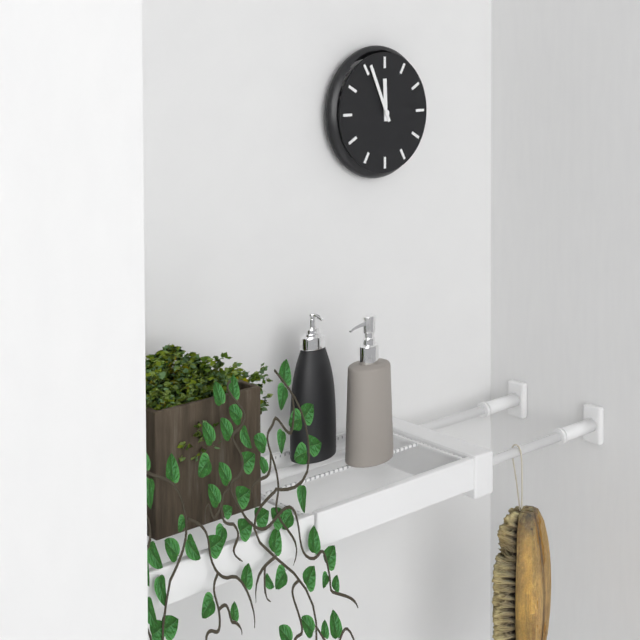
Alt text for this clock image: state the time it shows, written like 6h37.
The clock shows 11h56
